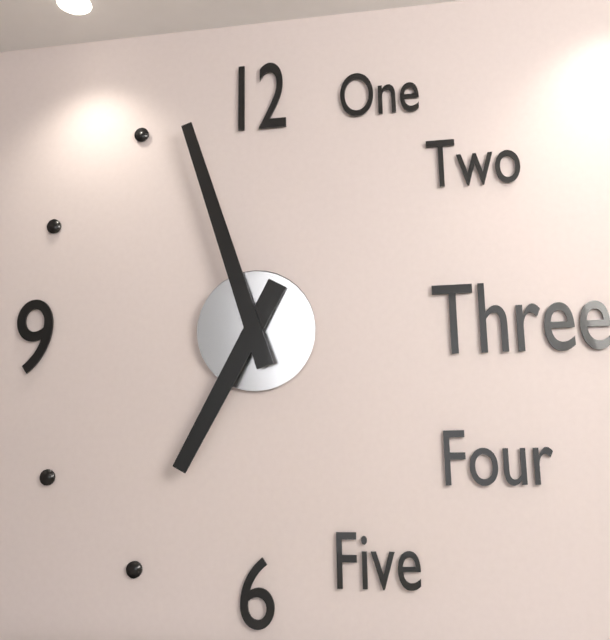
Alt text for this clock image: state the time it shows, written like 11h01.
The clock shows 6h57
